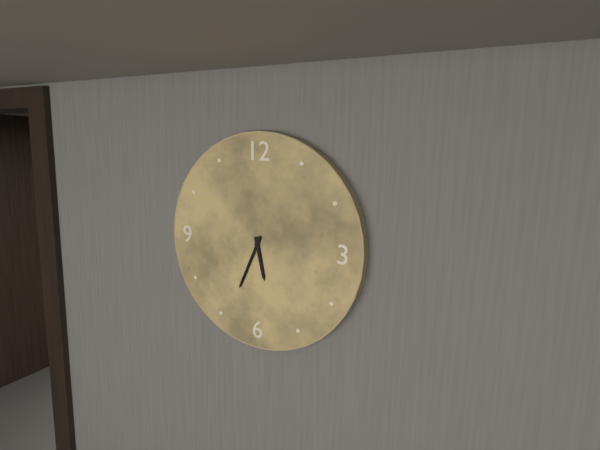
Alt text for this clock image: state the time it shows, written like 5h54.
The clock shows 5h34
